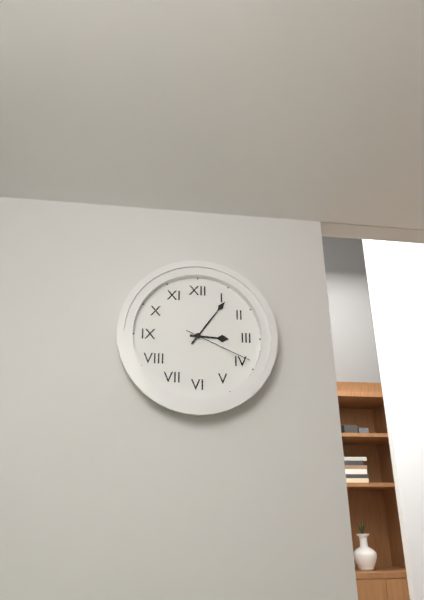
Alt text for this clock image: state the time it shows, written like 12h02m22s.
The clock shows 3h06m19s
